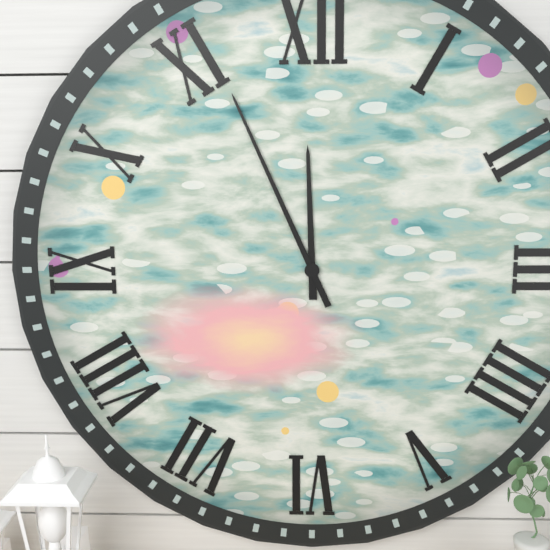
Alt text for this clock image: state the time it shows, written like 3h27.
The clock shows 11h56
